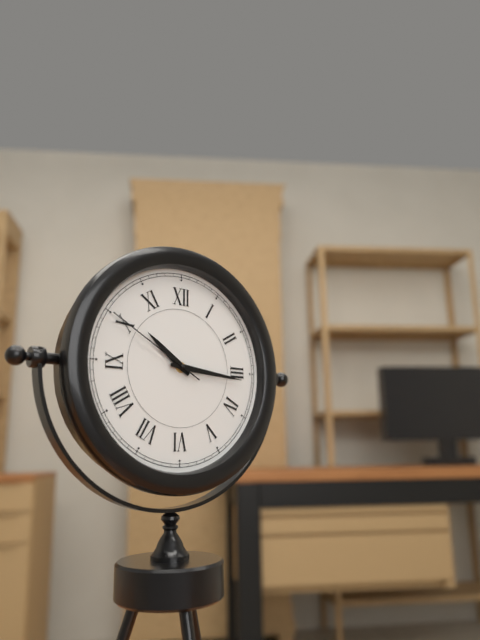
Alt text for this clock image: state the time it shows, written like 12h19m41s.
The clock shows 10h16m50s
